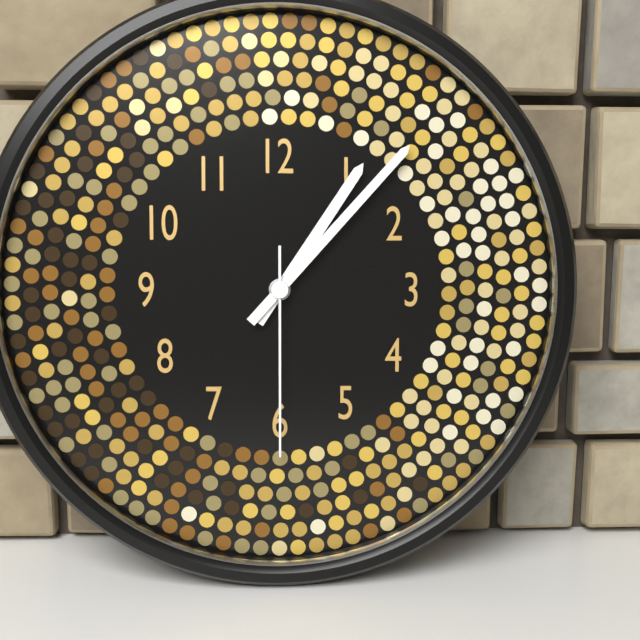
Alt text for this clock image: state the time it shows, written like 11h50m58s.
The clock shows 1h07m30s
